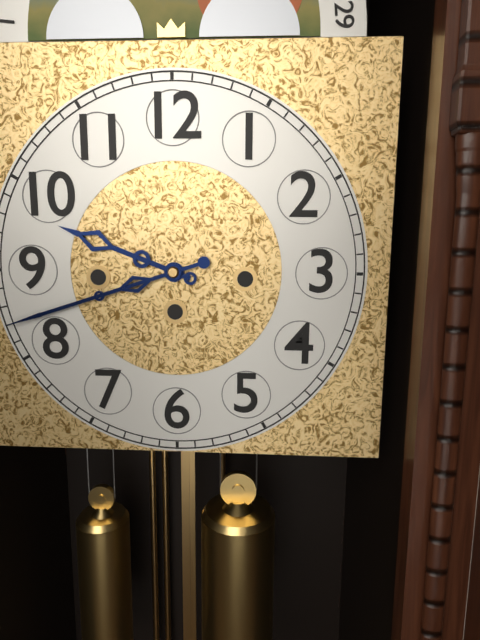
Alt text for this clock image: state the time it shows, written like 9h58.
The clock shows 9h42
